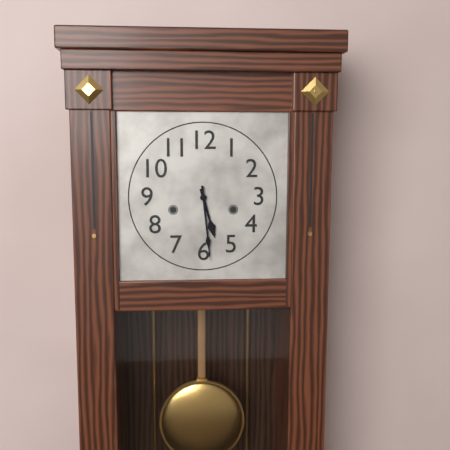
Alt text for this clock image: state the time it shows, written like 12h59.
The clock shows 5h29
